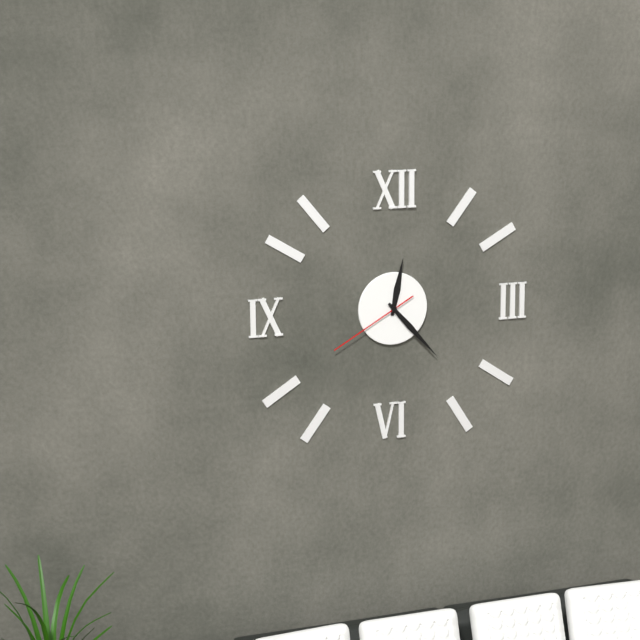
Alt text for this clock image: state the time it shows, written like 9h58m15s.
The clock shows 12h23m40s
